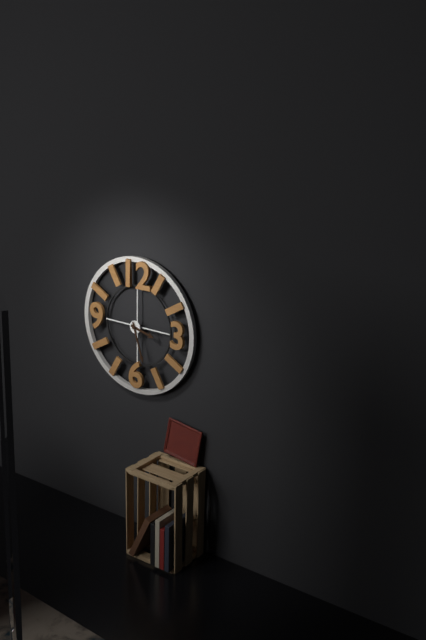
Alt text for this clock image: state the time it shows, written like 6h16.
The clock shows 3h27
